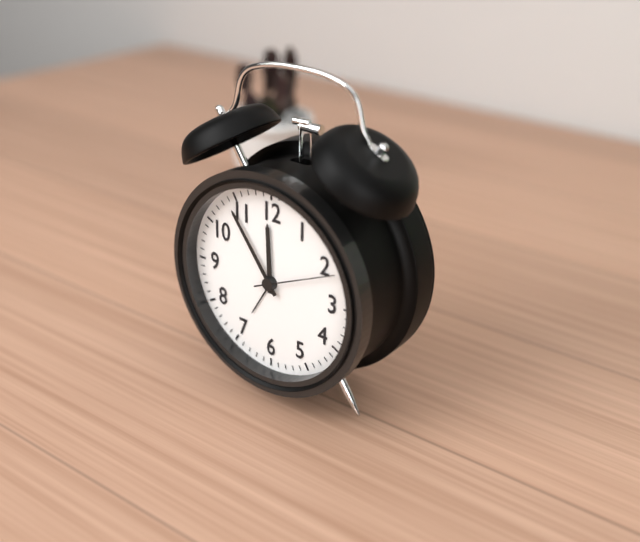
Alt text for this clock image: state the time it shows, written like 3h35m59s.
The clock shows 11h54m11s
